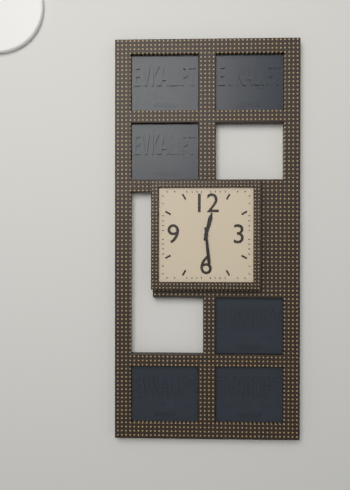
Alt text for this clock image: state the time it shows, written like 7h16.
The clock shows 12h29
